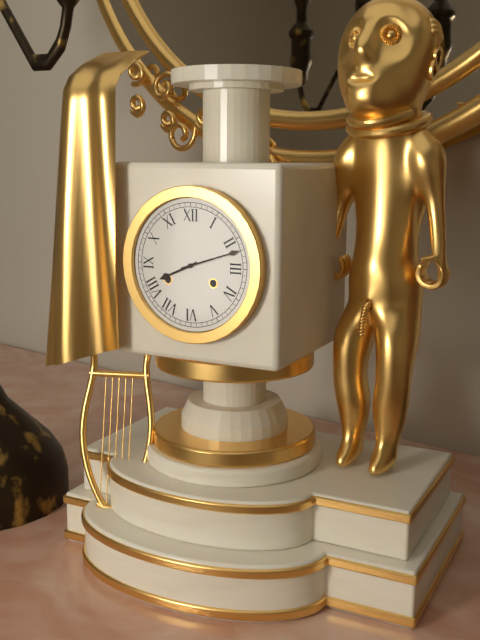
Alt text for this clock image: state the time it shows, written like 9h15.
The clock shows 8h12
